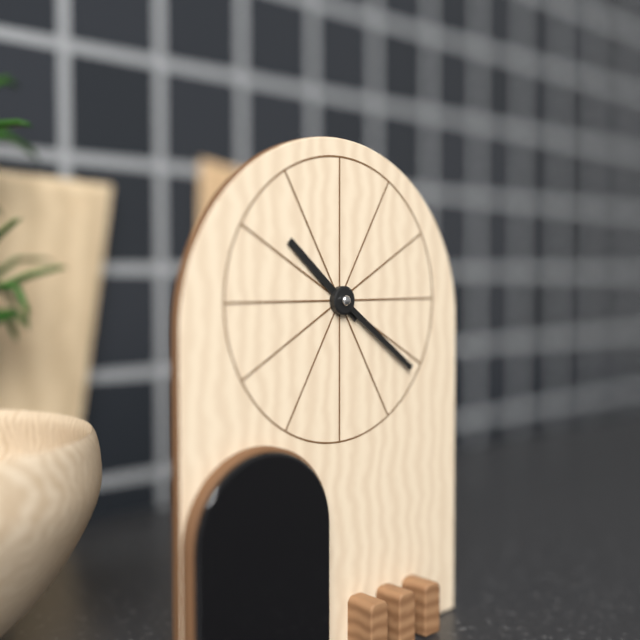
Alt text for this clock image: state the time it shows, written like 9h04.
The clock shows 10h21
